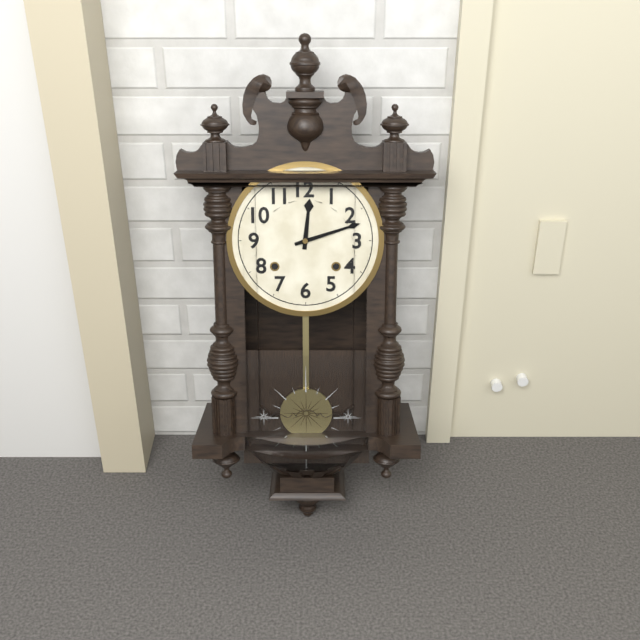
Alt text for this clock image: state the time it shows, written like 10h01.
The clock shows 12h12
